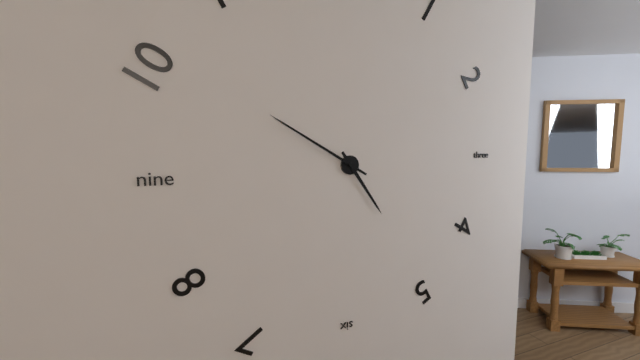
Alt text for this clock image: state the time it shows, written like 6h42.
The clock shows 4h50
